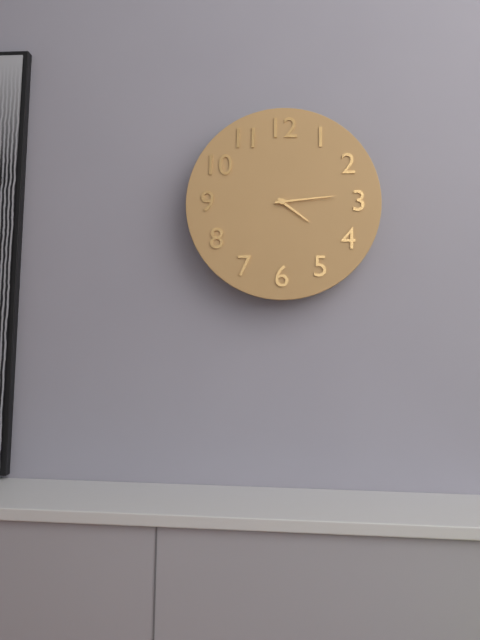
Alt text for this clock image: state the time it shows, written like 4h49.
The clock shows 4h14
